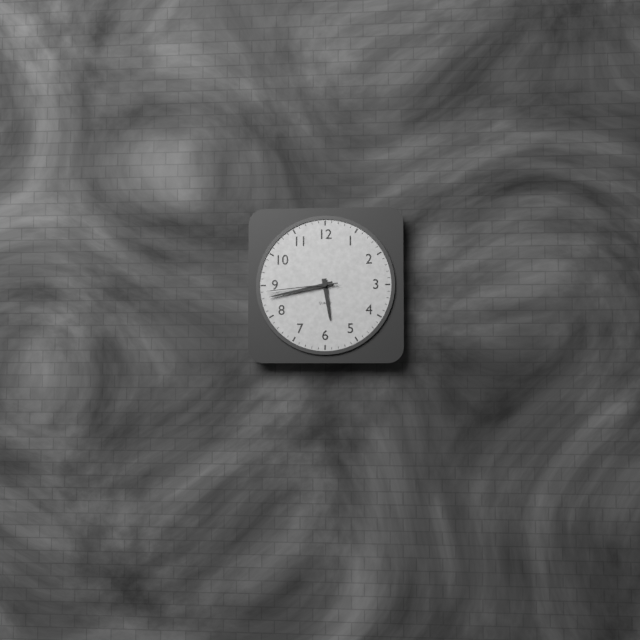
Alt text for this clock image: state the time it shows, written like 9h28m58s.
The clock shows 5h43m44s
